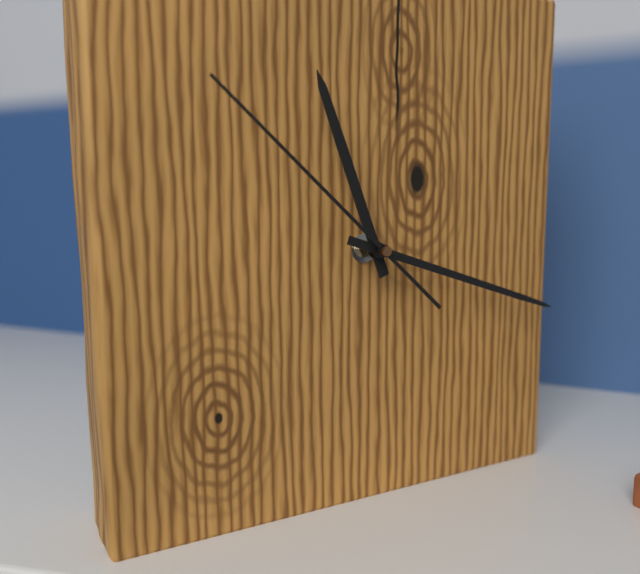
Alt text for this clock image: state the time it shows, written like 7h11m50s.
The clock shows 11h18m52s
